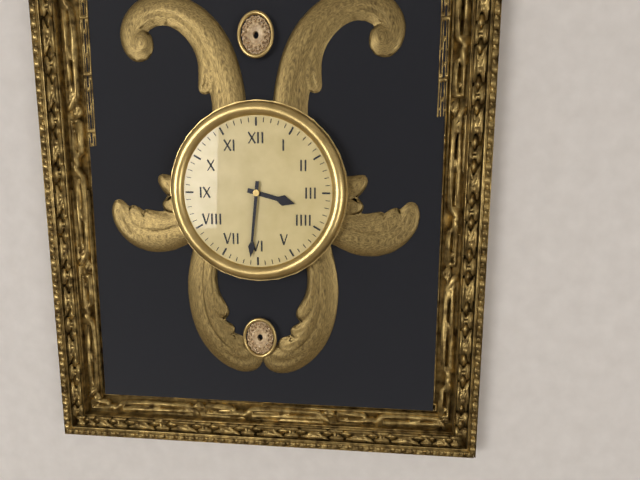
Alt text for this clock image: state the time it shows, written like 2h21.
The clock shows 3h31
